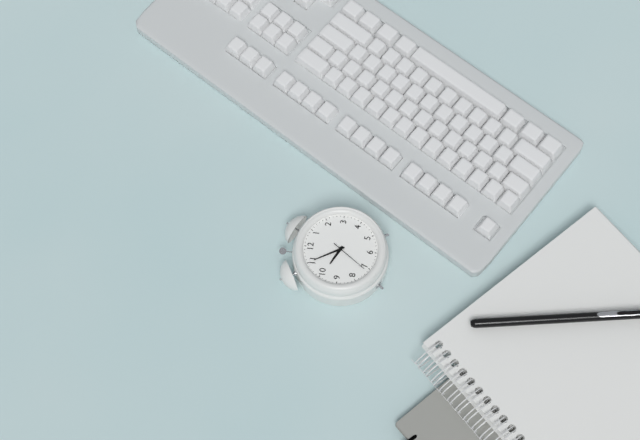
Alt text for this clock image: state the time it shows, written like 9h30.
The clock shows 9h55
